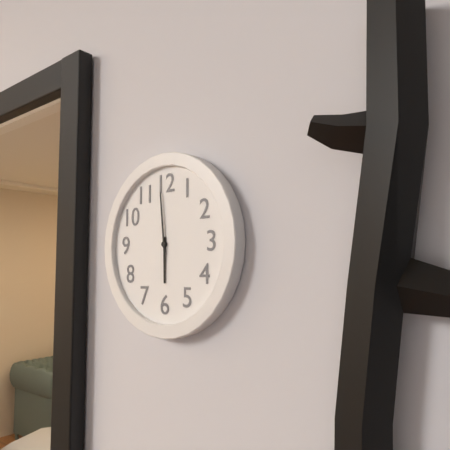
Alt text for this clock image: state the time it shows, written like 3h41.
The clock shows 5h59
